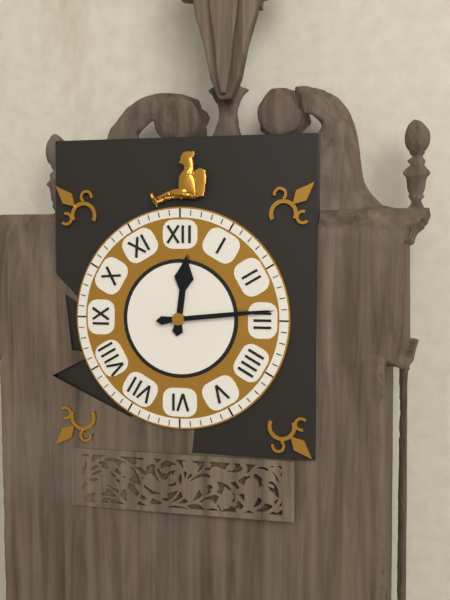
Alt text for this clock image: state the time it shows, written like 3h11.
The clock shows 12h14
